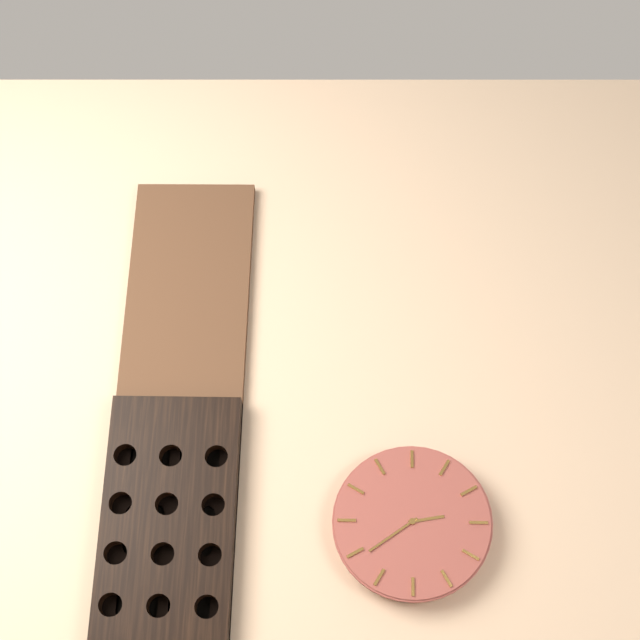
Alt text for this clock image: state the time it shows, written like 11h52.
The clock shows 2h39
